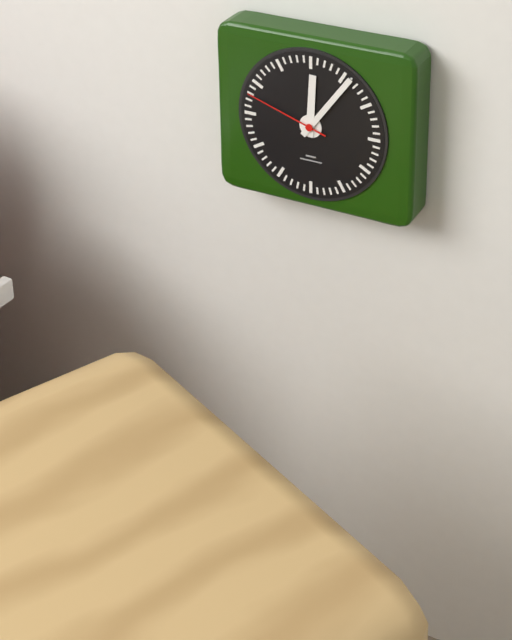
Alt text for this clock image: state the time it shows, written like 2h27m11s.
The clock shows 12h06m48s
